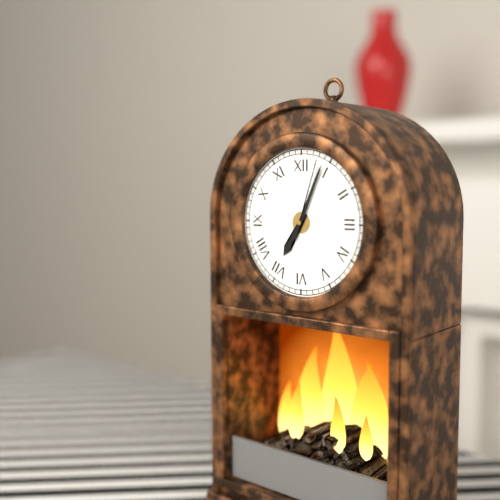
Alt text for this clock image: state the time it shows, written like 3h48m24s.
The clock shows 7h04m03s
